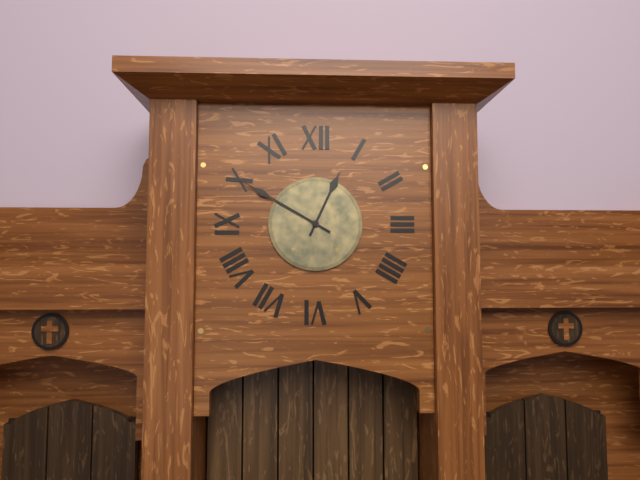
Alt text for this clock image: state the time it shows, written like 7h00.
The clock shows 12h50
